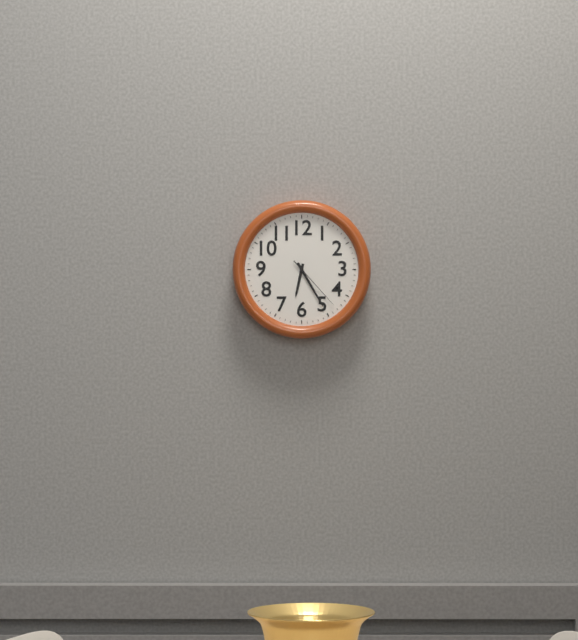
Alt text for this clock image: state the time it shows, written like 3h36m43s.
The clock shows 6h25m23s
